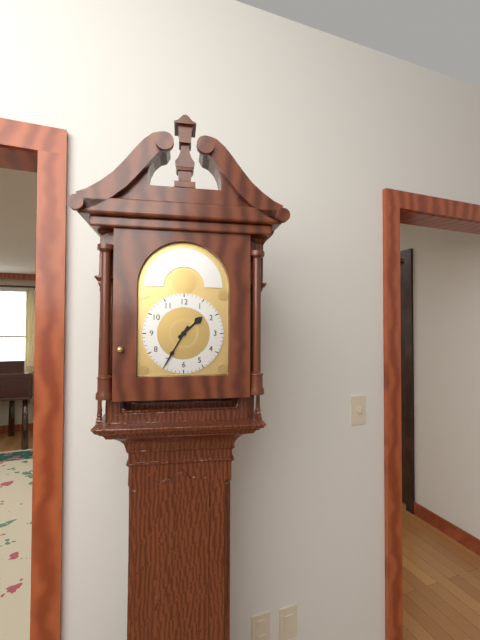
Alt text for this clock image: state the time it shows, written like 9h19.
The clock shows 1h35
